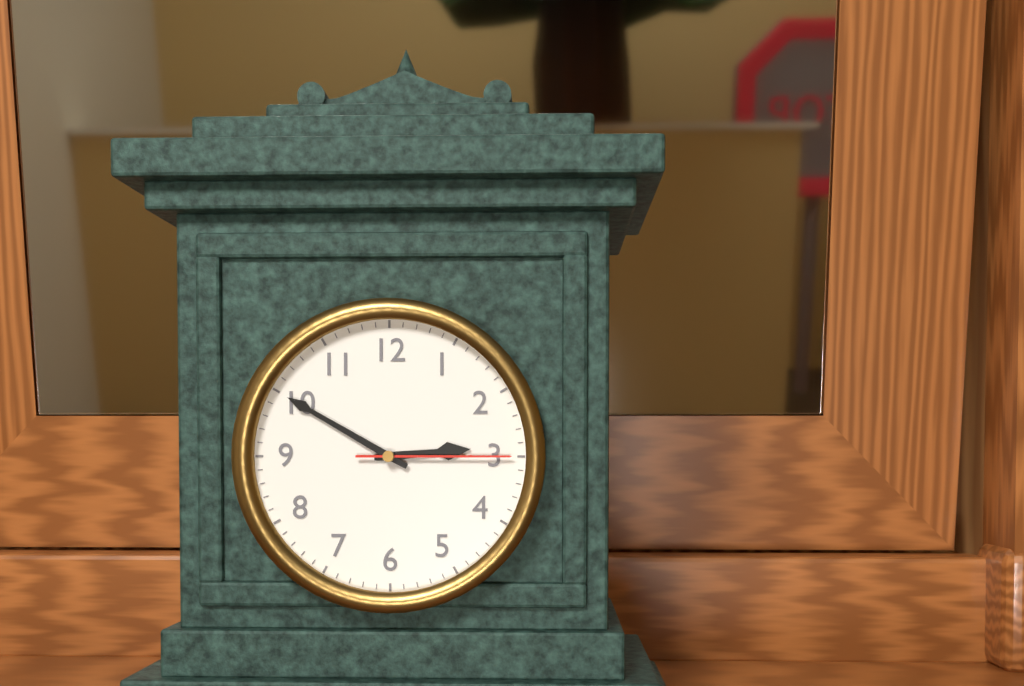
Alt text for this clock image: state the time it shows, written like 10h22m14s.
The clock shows 2h50m15s
